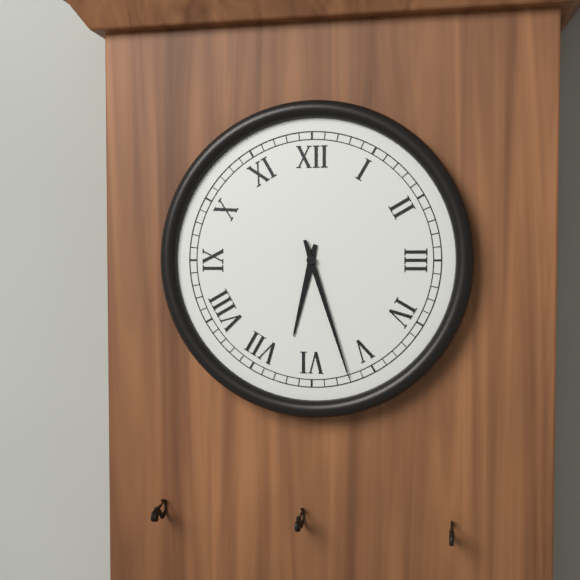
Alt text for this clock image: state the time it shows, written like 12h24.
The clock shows 6h27
